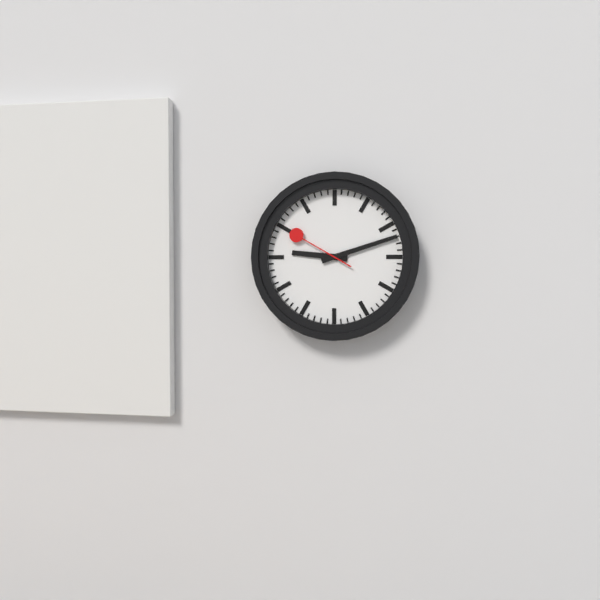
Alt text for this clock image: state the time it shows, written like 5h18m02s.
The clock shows 9h12m50s
